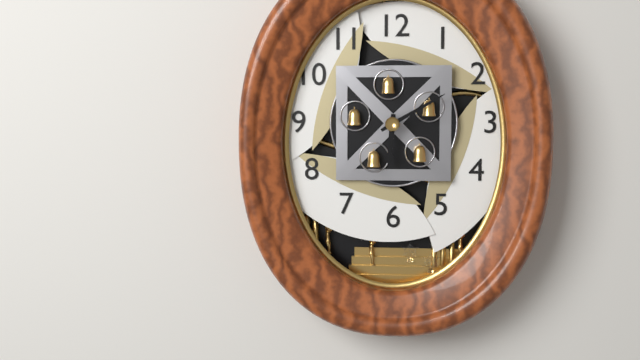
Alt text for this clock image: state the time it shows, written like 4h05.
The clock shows 6h10
